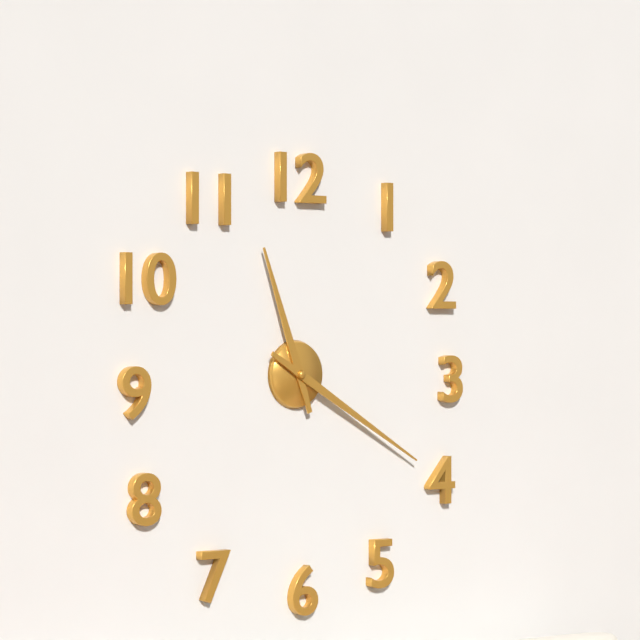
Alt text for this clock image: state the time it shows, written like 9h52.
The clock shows 11h20
